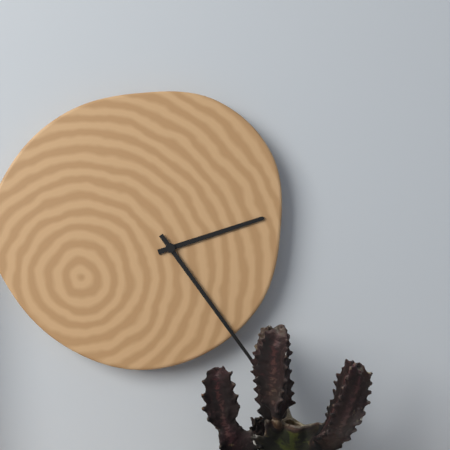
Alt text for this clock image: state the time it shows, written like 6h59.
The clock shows 2h24
